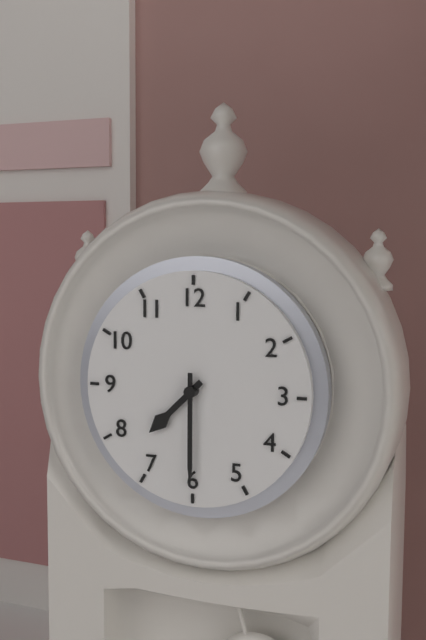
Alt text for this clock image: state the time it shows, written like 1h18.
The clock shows 7h30
